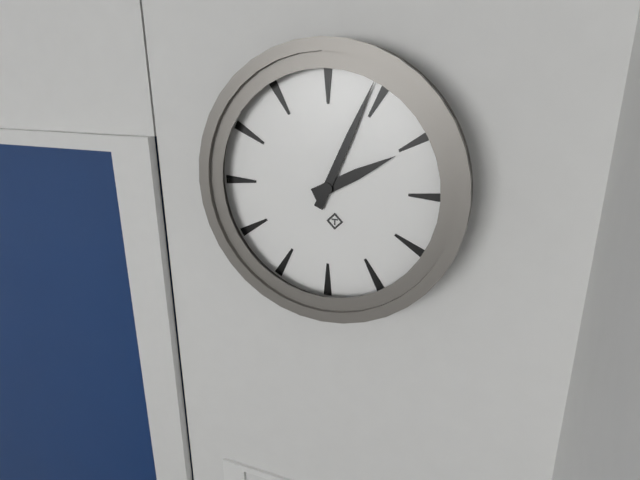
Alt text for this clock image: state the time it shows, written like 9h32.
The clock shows 2h04
